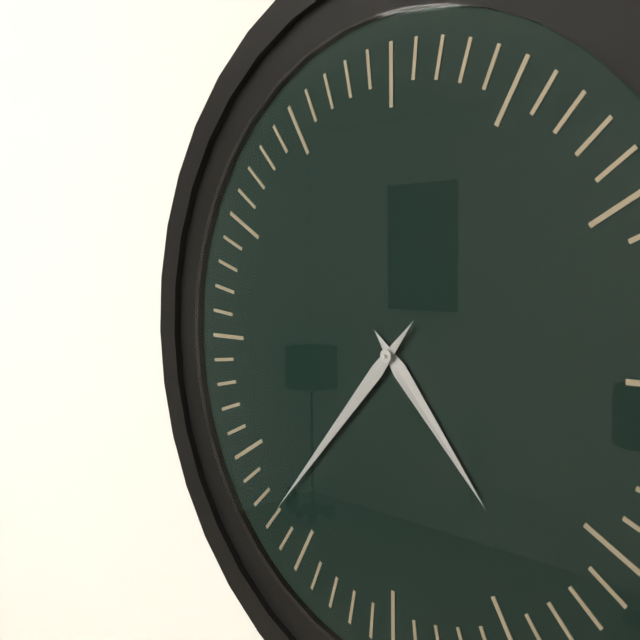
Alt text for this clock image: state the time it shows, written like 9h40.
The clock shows 4h37
